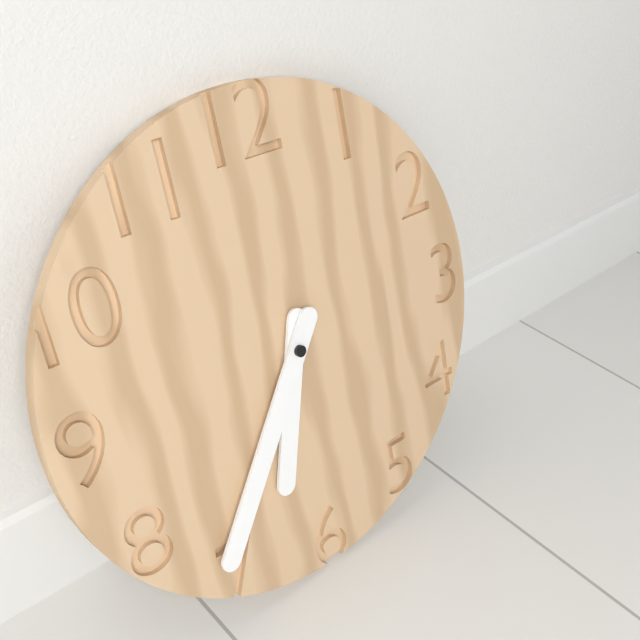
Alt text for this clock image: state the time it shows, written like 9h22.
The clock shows 6h36
